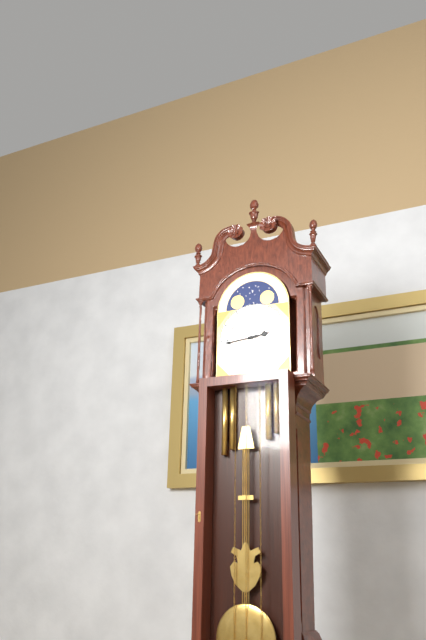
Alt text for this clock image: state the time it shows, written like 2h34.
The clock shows 2h44
